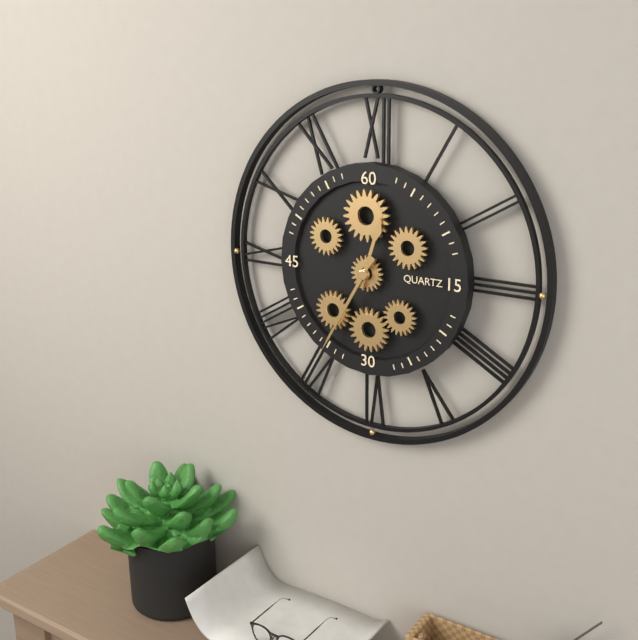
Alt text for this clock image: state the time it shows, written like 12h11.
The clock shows 12h35
